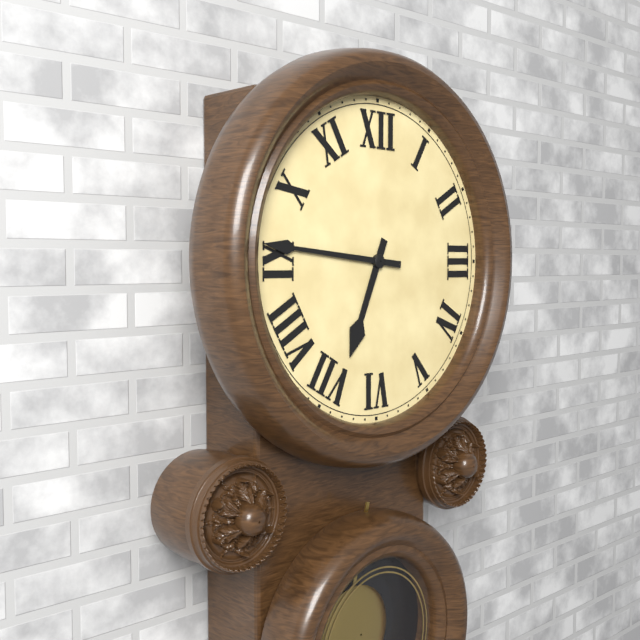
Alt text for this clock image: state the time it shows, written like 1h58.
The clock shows 6h46
